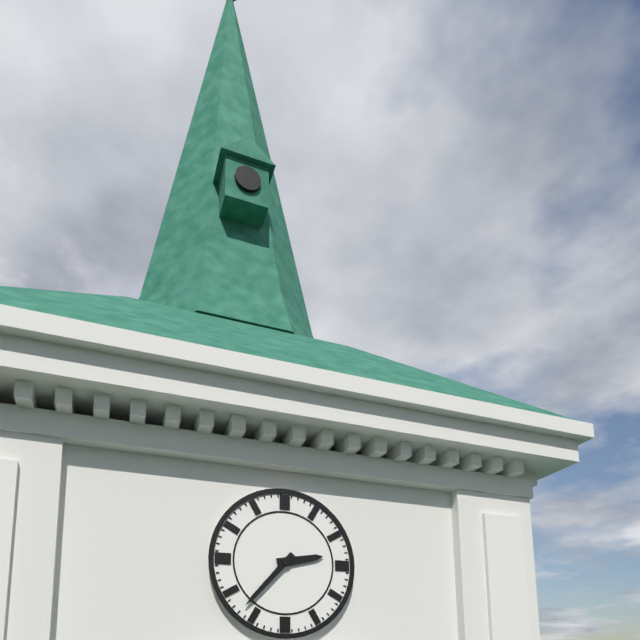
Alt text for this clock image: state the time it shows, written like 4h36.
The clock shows 2h37
